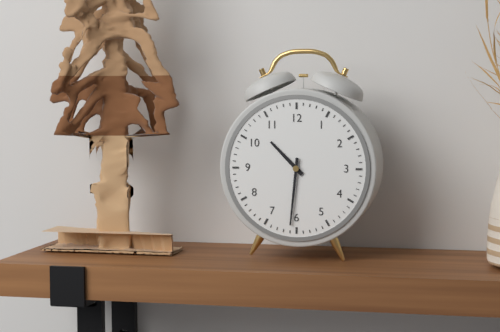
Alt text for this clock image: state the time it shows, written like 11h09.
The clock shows 10h31
